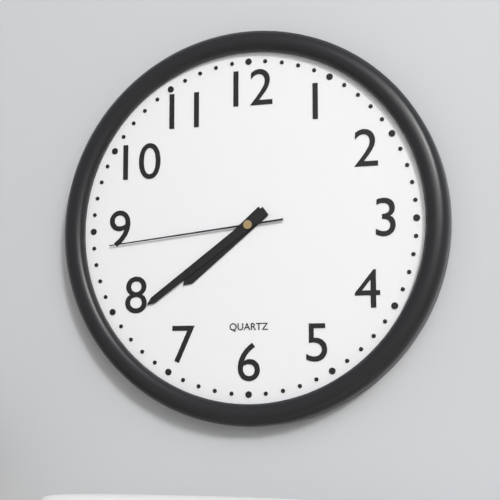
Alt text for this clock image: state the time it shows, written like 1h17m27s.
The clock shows 7h39m44s
